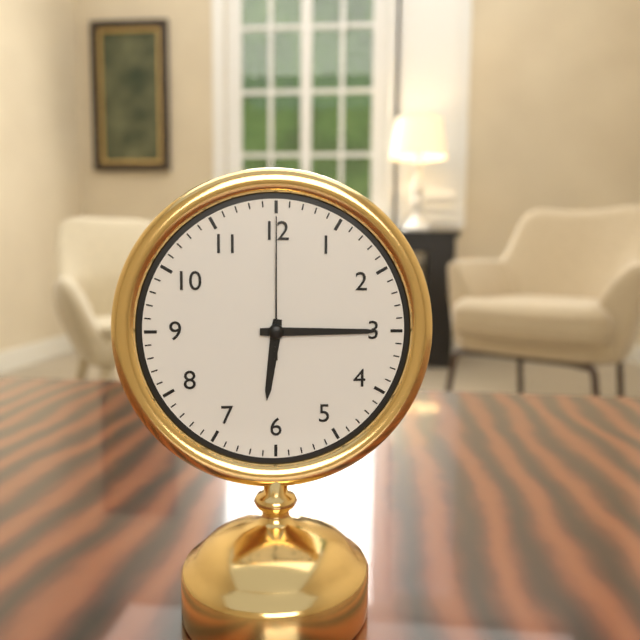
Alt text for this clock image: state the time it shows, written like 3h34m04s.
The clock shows 6h15m00s
